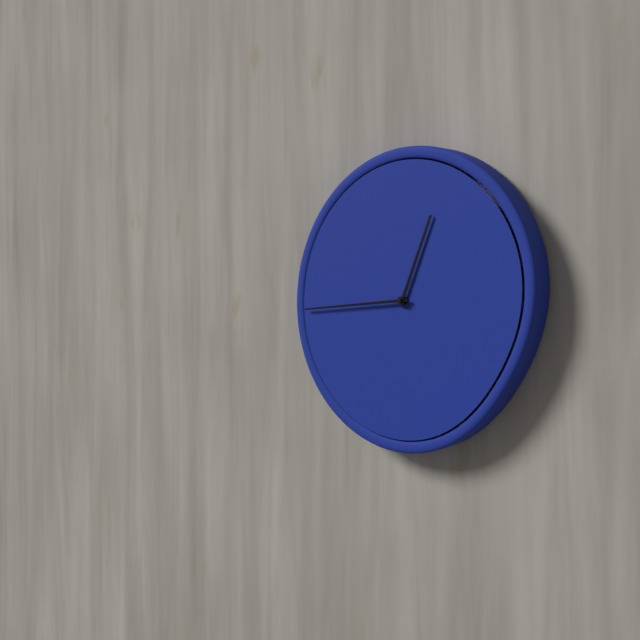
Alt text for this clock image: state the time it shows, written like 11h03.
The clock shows 12h44
